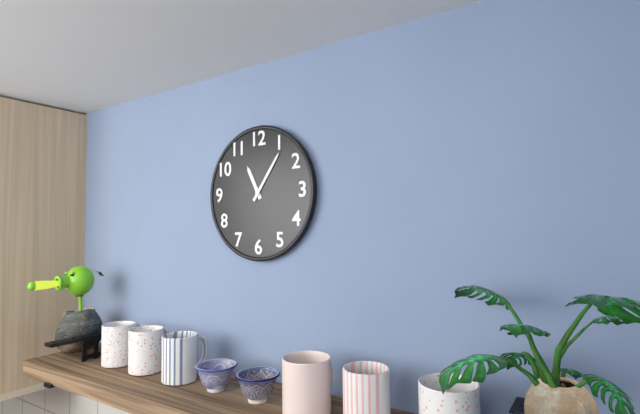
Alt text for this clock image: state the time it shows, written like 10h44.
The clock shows 11h06
